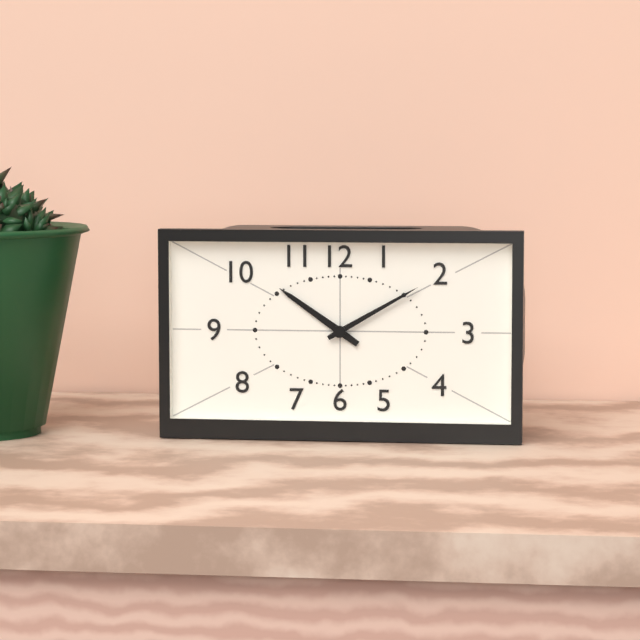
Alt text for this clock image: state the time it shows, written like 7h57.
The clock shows 10h10
